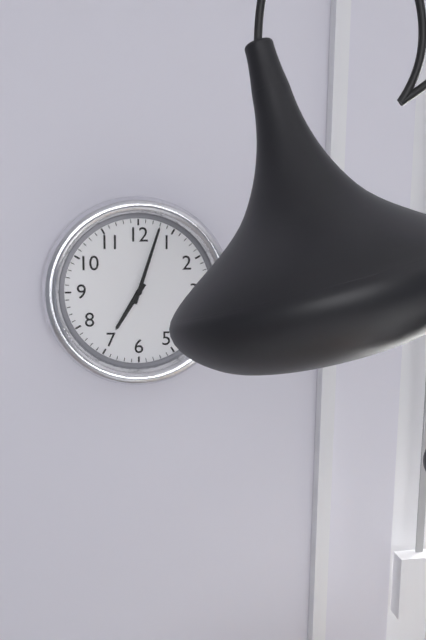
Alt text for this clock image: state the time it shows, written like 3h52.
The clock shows 7h03
